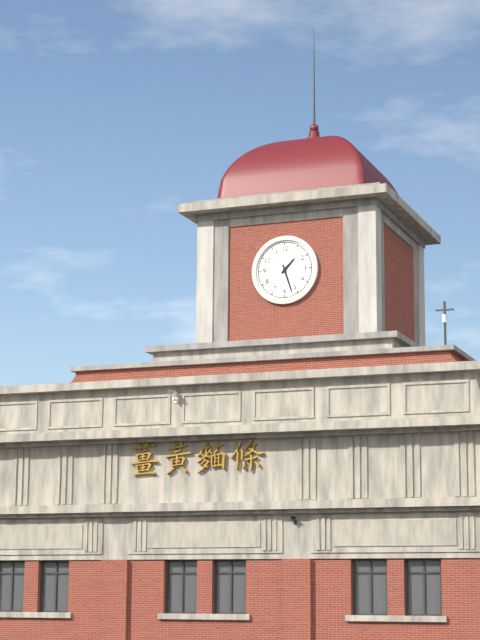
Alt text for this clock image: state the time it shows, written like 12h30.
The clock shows 1h27
